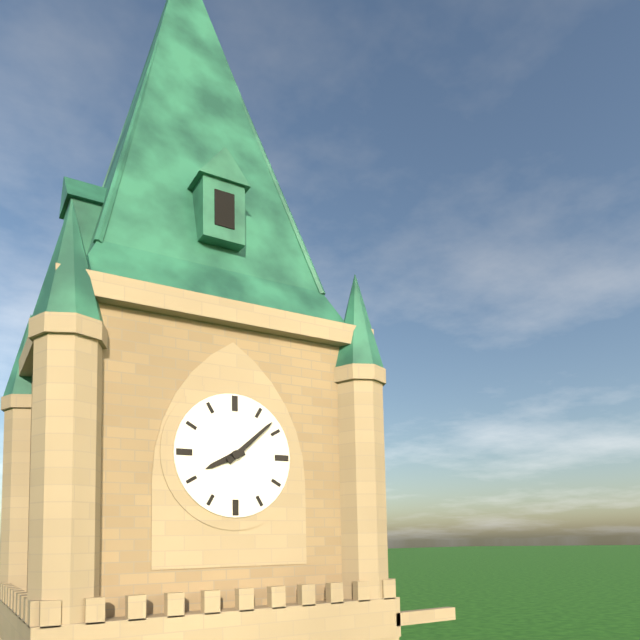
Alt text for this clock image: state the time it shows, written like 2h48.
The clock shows 8h08
